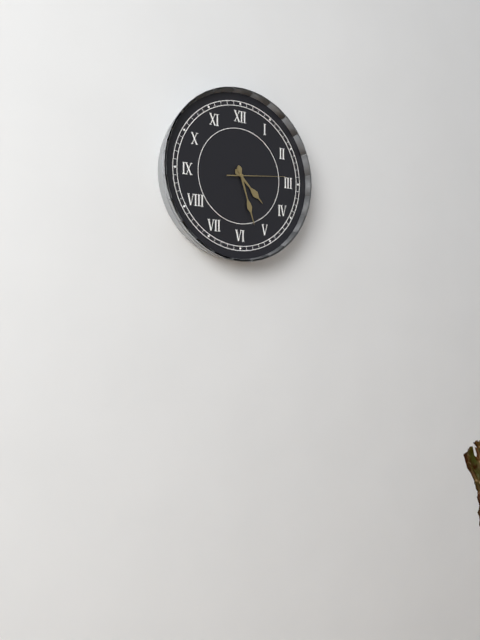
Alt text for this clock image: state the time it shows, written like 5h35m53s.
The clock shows 4h27m14s
